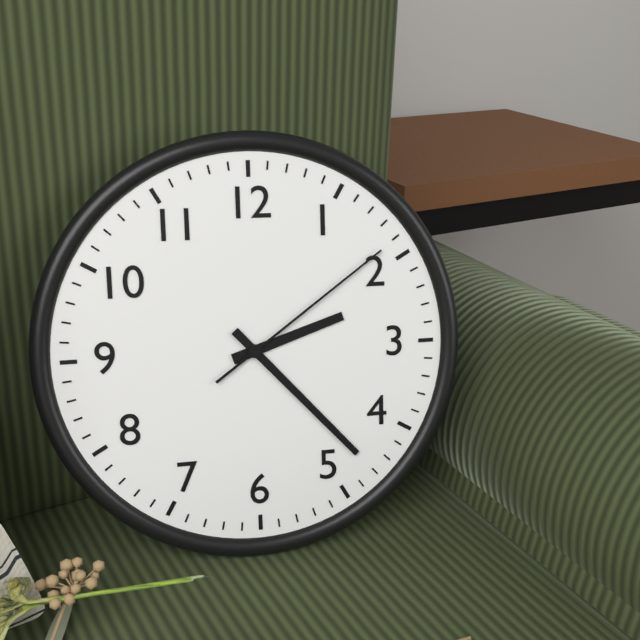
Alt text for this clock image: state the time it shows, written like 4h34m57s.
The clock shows 2h23m09s
